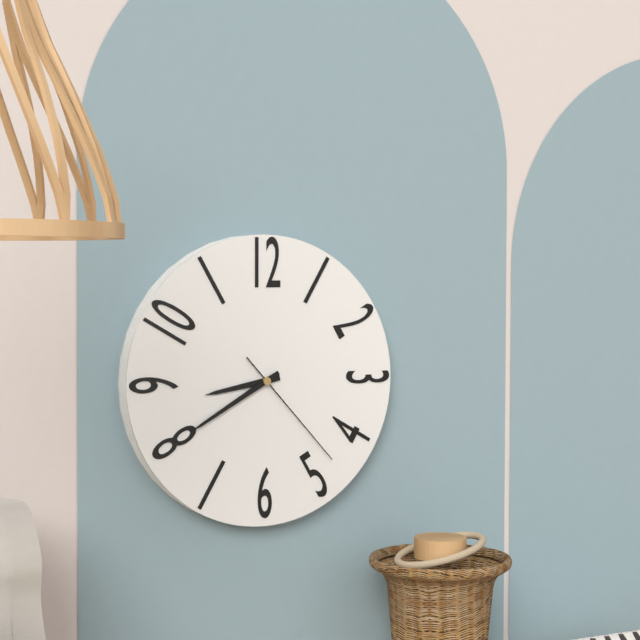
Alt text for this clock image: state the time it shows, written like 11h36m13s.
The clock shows 8h40m23s
